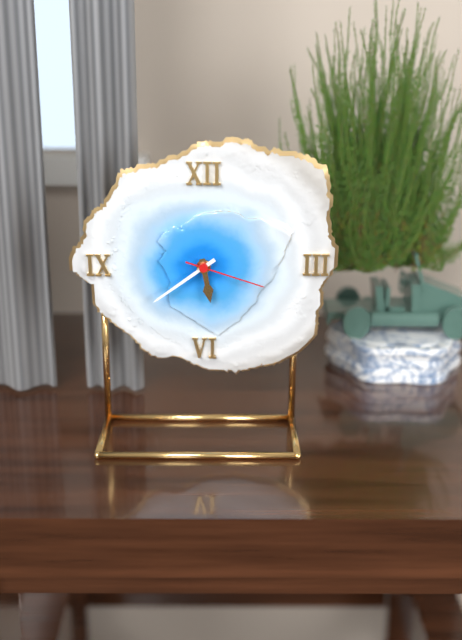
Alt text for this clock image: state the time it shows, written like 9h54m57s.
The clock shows 5h39m18s
